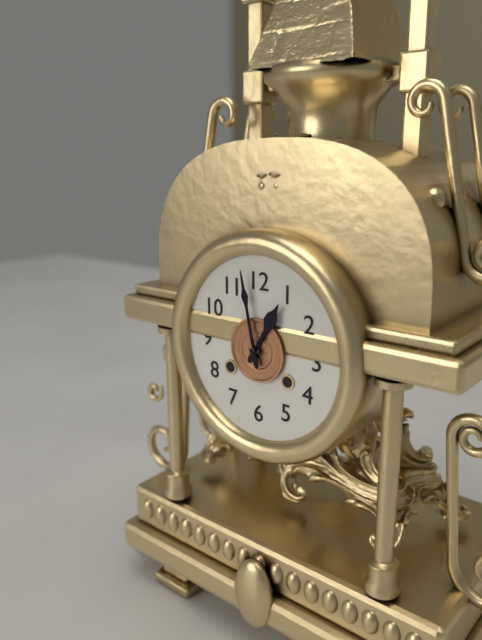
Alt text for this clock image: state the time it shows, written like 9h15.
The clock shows 12h58
